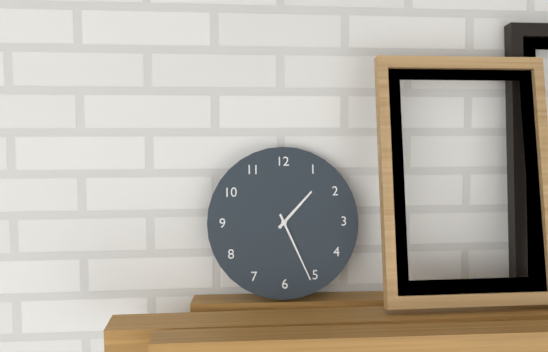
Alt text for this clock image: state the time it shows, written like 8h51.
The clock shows 1h26
